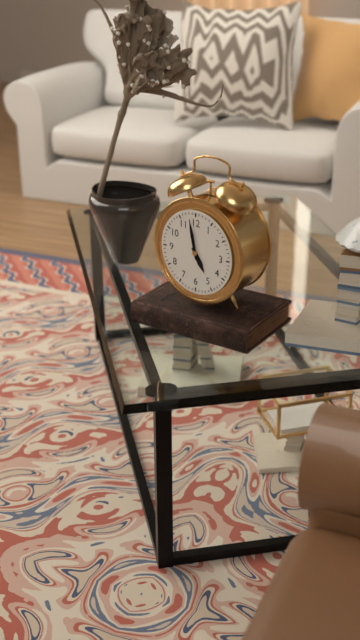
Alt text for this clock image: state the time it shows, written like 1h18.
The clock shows 4h58
